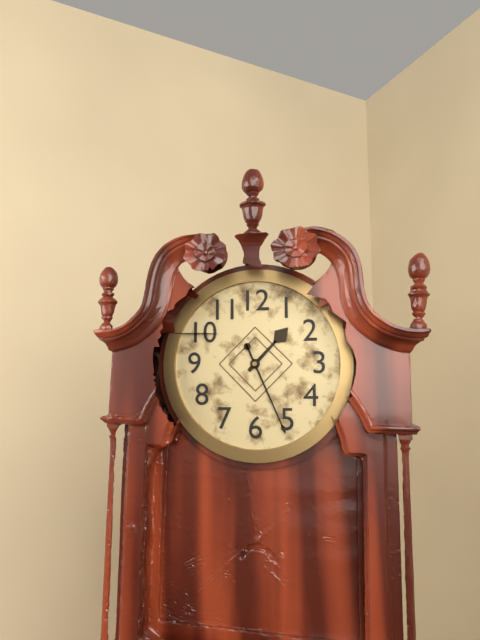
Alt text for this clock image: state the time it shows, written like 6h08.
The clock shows 1h26
